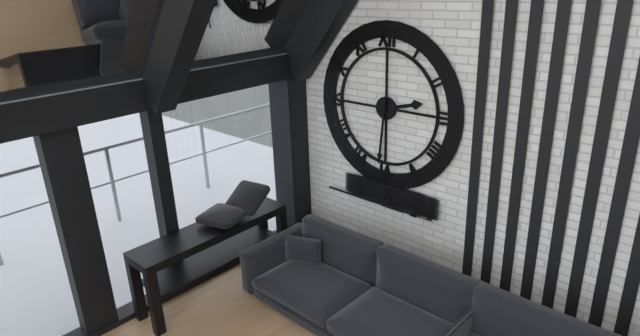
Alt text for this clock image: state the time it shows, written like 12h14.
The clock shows 2h31
